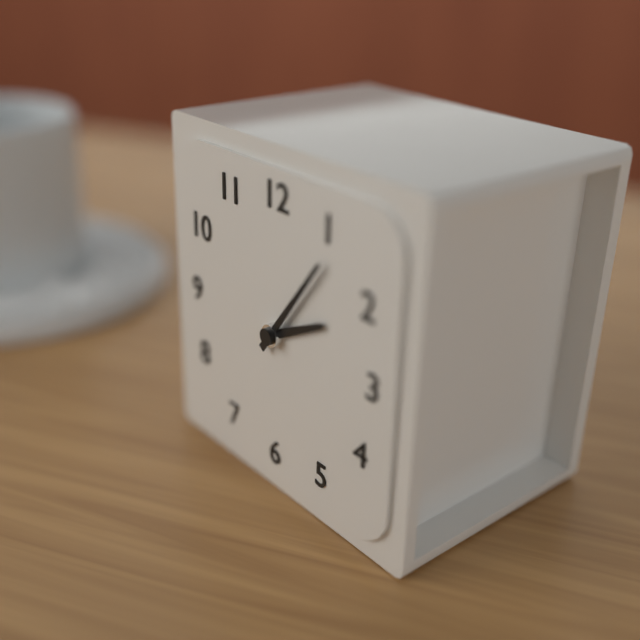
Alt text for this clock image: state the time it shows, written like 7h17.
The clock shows 2h06
